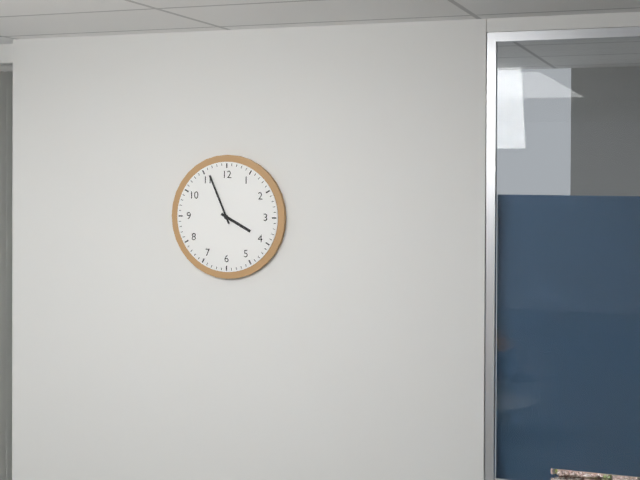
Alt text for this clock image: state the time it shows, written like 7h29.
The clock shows 3h56
